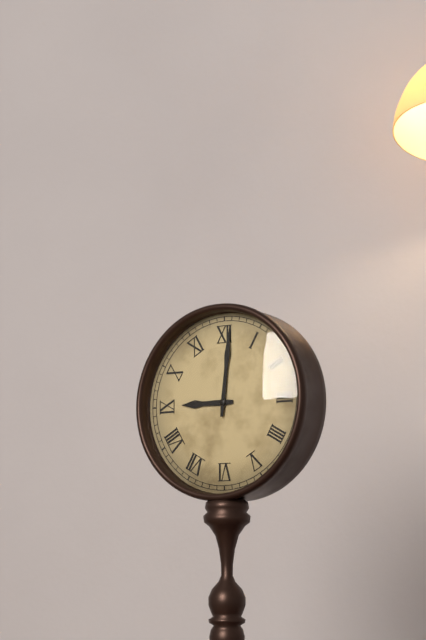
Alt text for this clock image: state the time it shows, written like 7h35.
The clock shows 9h01
